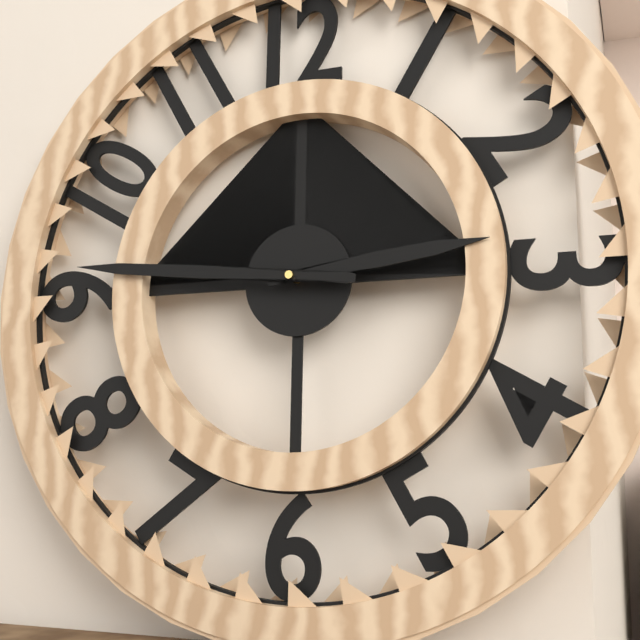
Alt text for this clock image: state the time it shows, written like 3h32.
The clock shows 2h46
